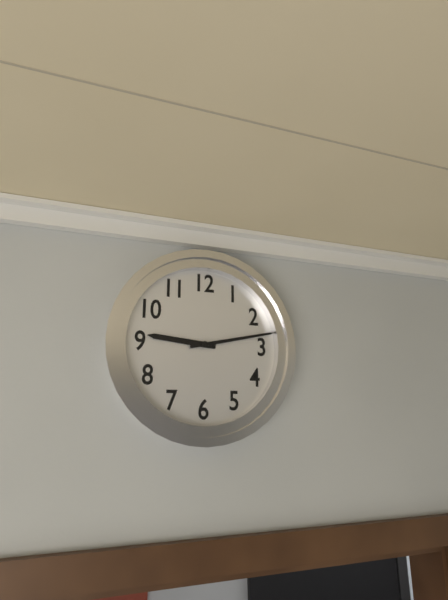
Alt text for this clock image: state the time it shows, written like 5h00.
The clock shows 9h13
